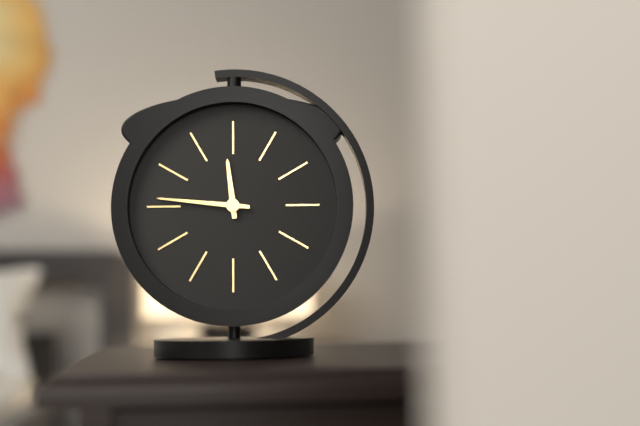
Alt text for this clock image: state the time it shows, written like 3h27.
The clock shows 11h46
